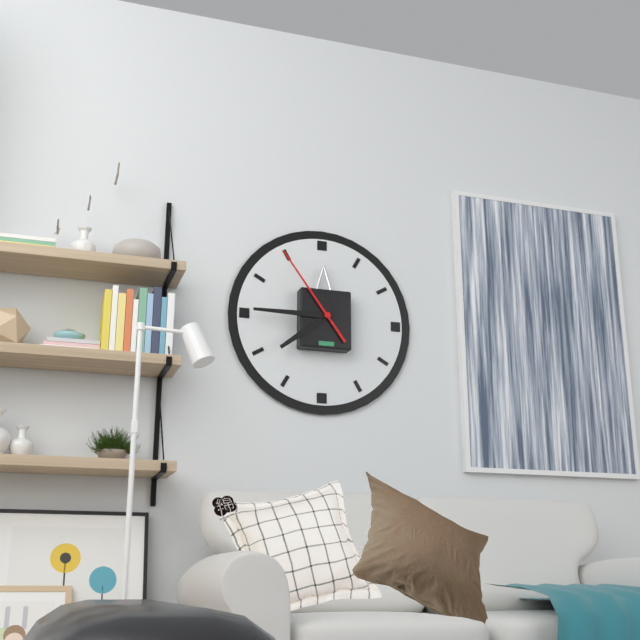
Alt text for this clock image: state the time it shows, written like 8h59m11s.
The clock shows 7h45m54s
